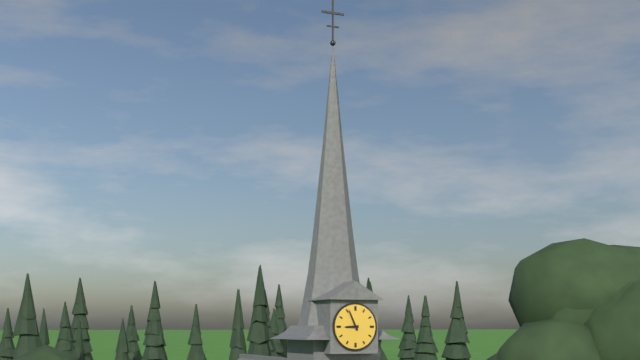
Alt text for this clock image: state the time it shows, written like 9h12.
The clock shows 8h56
